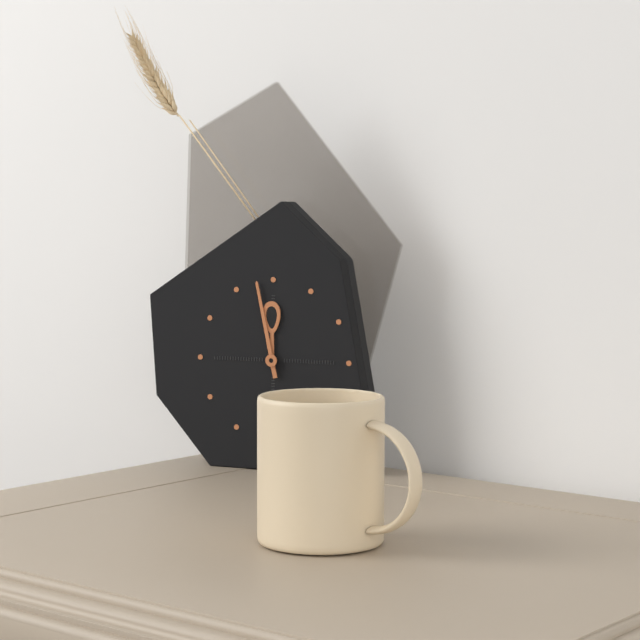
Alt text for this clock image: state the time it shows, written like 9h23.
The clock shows 11h58
